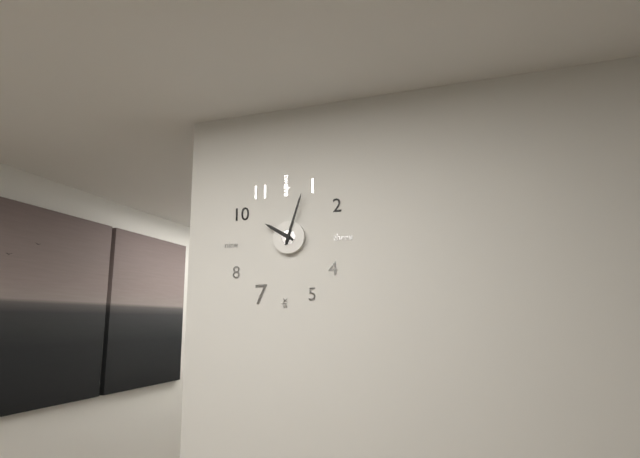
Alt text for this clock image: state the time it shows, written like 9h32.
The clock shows 10h03
